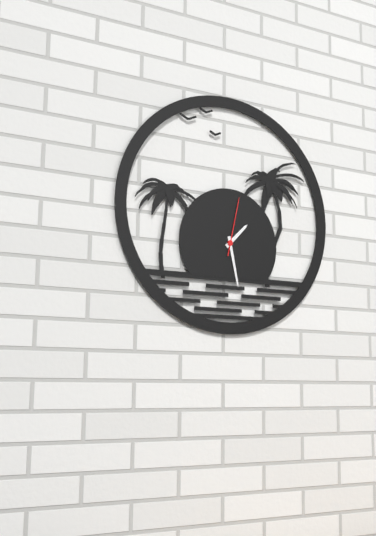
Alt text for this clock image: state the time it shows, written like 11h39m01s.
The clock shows 1h28m02s
